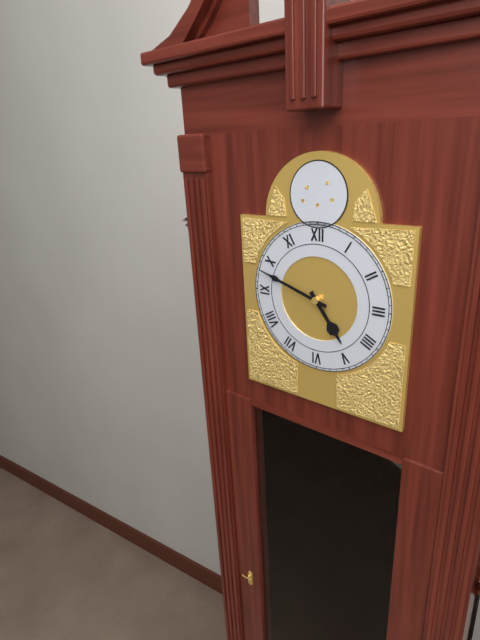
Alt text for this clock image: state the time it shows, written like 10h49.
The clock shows 4h48
